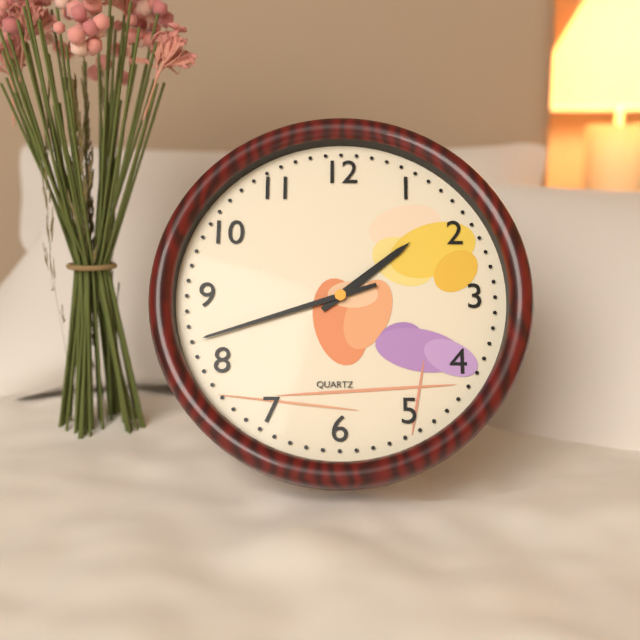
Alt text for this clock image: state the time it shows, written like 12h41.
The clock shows 1h42
